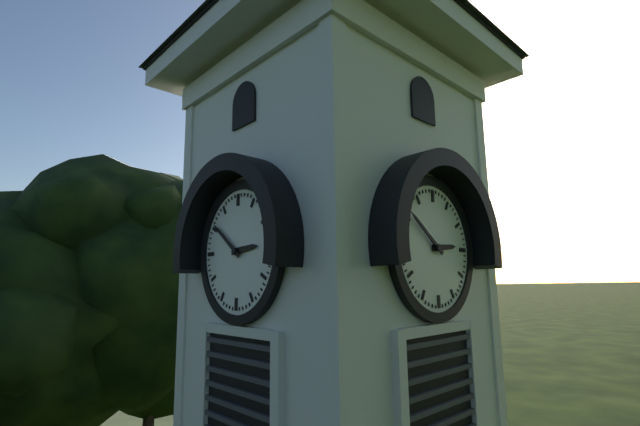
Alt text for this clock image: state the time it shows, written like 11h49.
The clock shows 2h51
